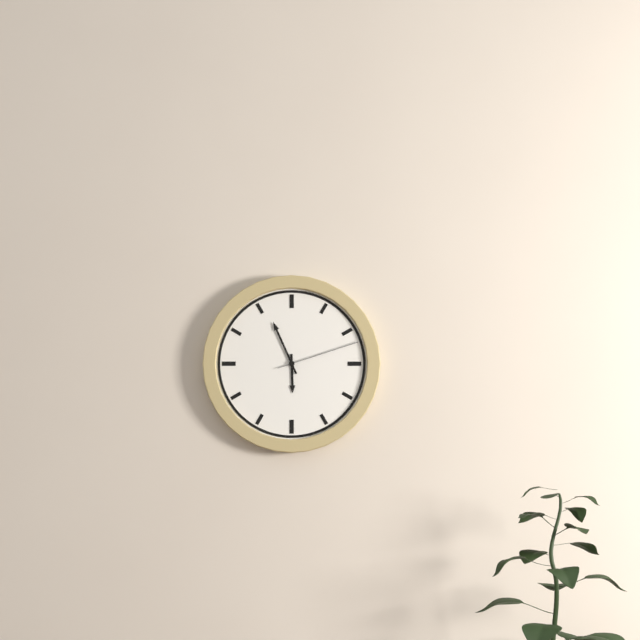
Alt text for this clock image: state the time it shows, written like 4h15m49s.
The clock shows 5h56m12s
